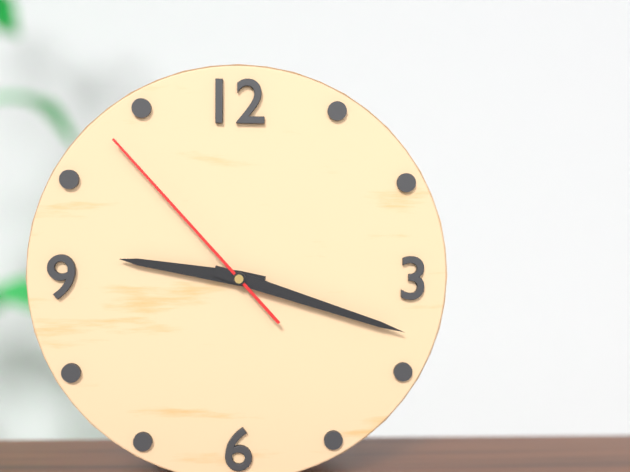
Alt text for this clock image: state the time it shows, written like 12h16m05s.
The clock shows 9h18m53s
